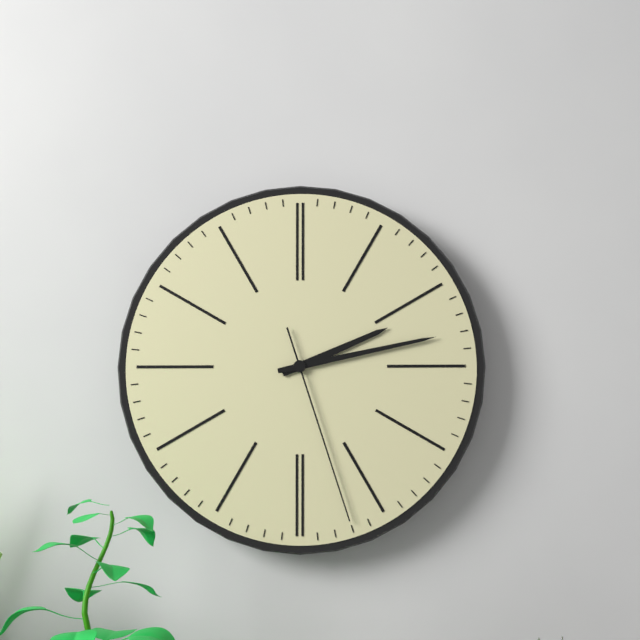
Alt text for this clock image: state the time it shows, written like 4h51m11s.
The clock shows 2h13m27s
